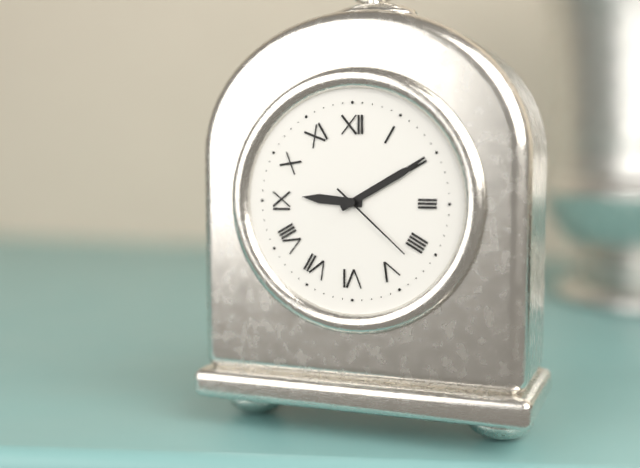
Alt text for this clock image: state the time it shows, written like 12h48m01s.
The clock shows 9h10m22s
